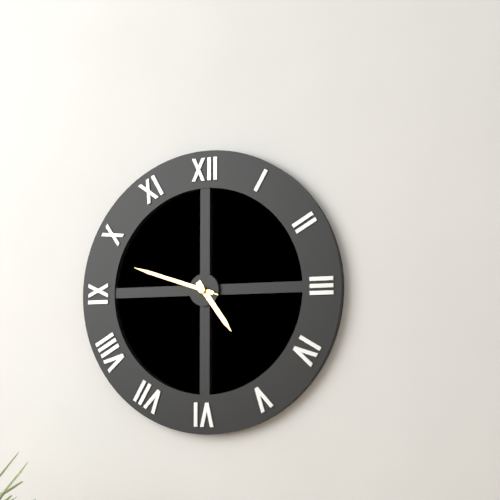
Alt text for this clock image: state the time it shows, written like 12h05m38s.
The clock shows 4h48m48s
